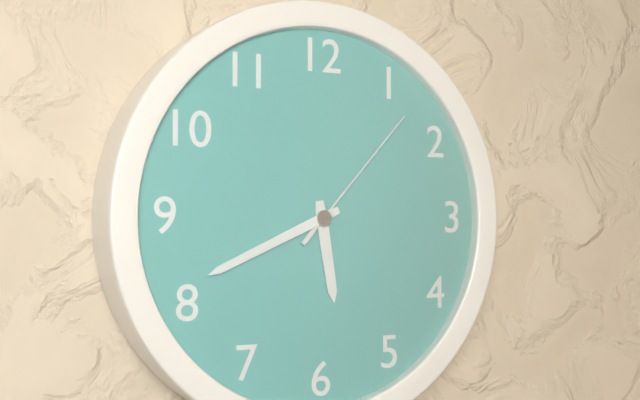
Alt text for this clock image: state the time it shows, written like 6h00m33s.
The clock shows 5h41m07s
